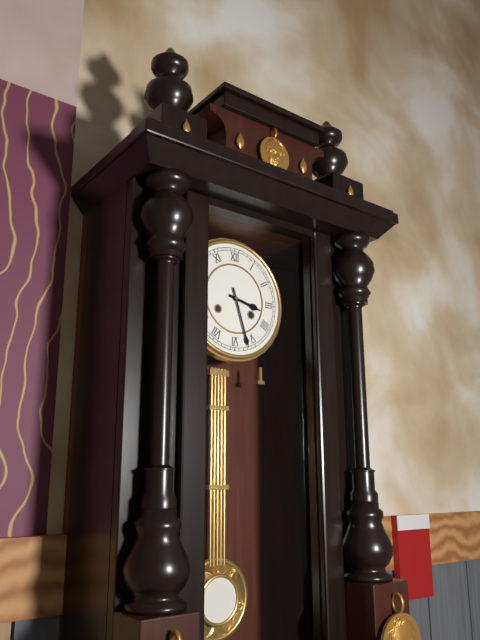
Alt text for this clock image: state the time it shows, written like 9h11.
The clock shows 3h27
